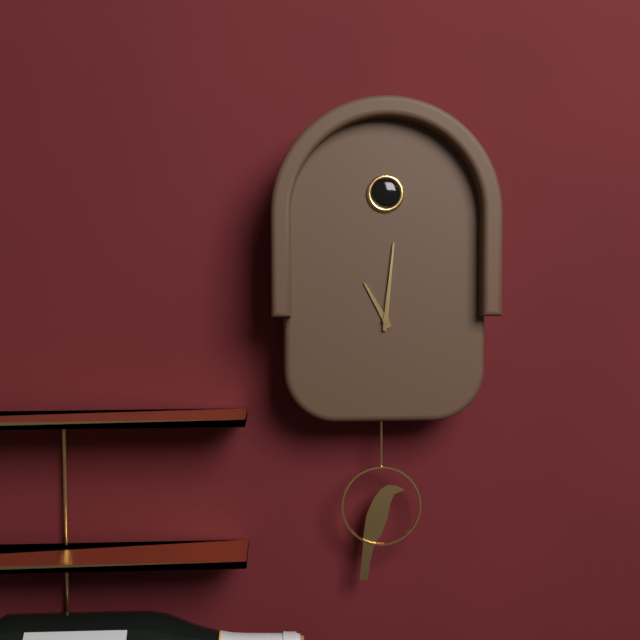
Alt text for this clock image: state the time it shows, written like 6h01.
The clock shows 11h01
